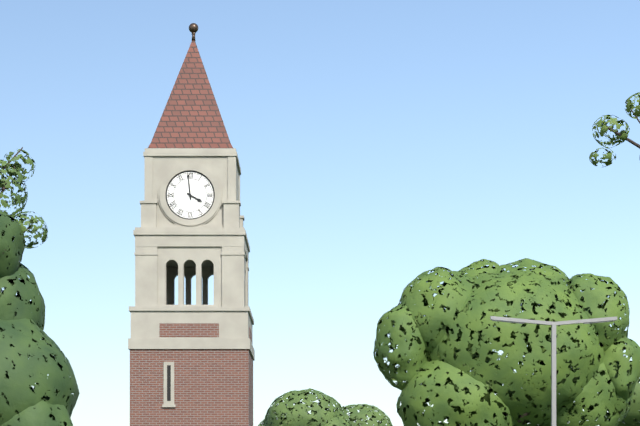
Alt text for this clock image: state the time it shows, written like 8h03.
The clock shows 3h59
